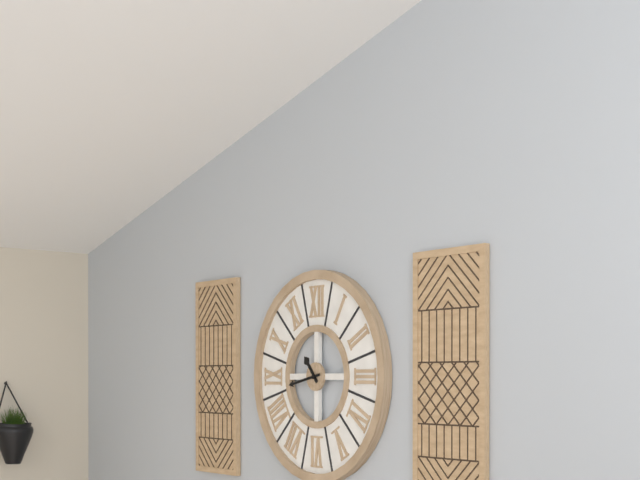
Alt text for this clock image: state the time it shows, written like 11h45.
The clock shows 10h43
